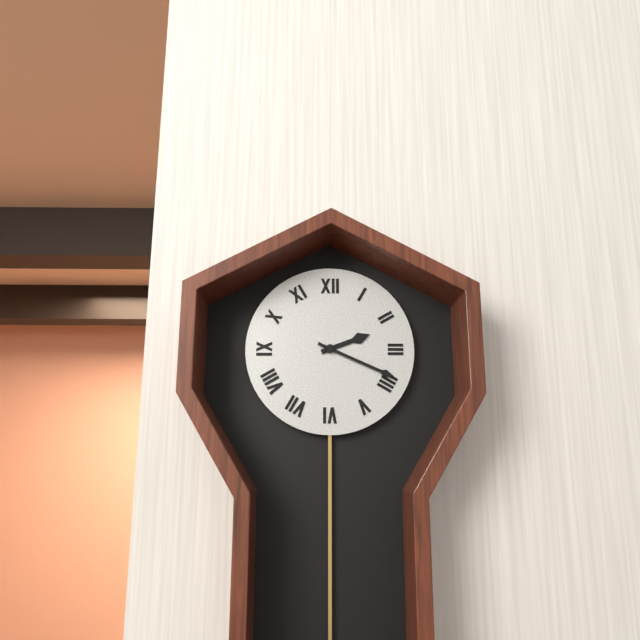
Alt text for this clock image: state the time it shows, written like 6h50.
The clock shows 2h19
